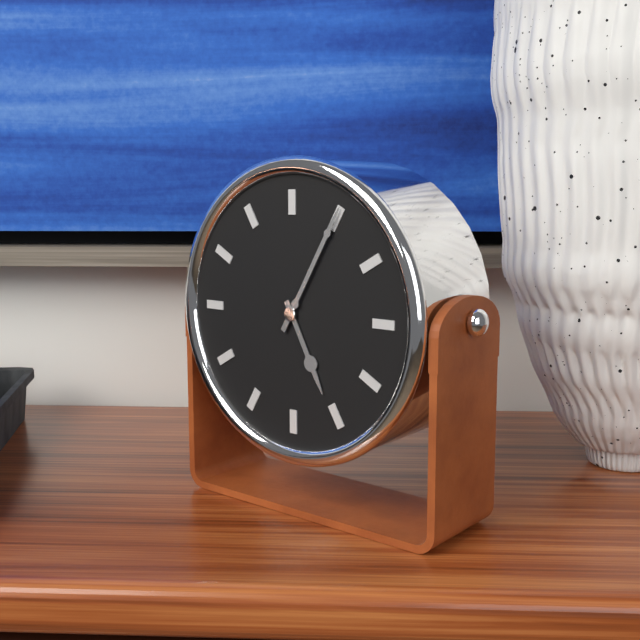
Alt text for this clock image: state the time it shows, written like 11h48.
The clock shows 5h05
